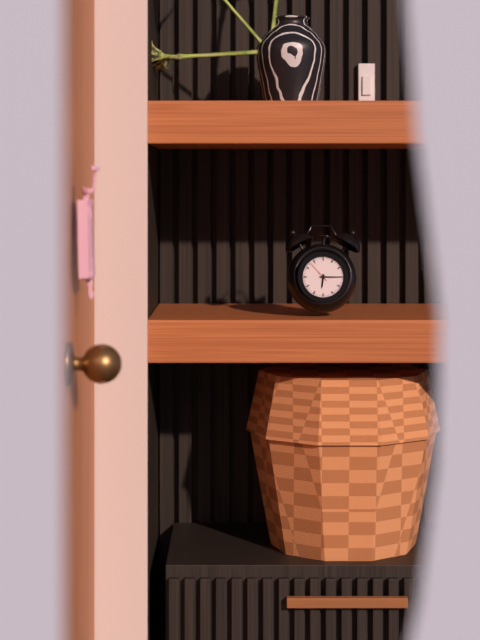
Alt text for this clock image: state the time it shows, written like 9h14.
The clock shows 6h15
